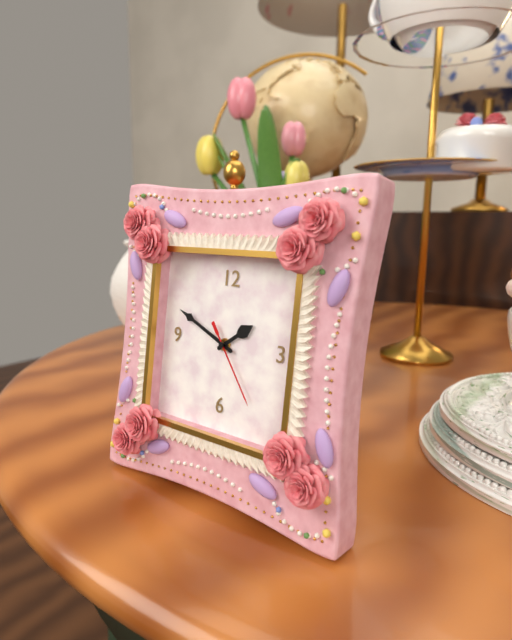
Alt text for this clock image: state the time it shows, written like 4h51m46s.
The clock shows 1h49m24s
